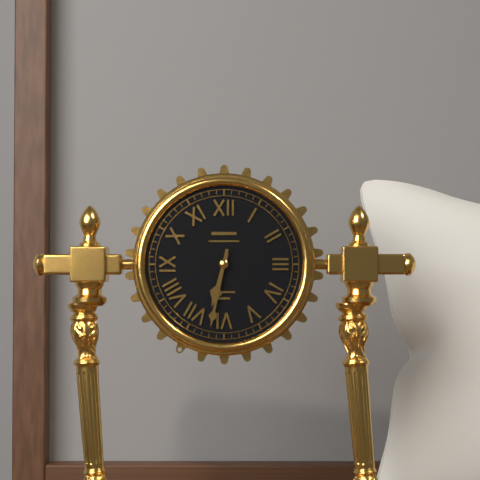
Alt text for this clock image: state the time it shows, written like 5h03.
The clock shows 6h32
